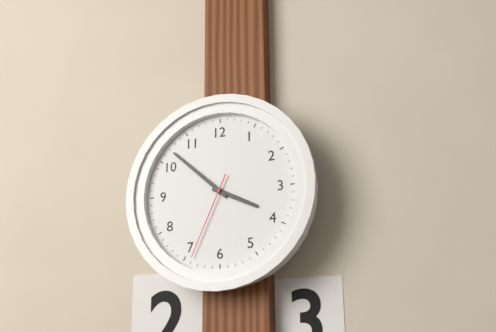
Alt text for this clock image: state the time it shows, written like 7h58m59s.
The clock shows 3h52m34s
